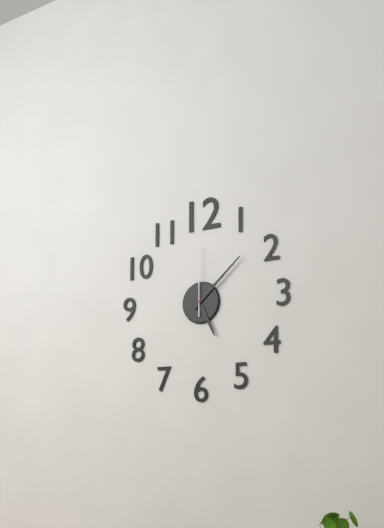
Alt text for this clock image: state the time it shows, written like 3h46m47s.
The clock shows 5h08m00s
